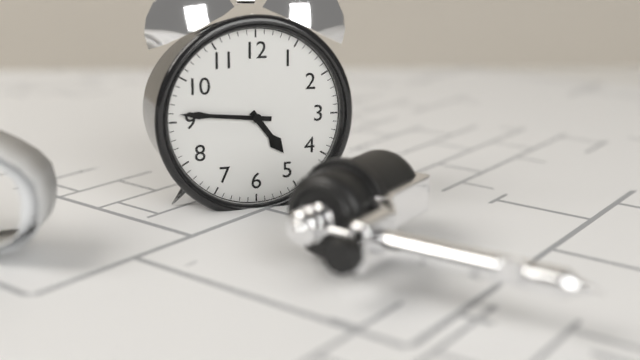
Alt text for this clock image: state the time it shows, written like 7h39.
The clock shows 4h46
